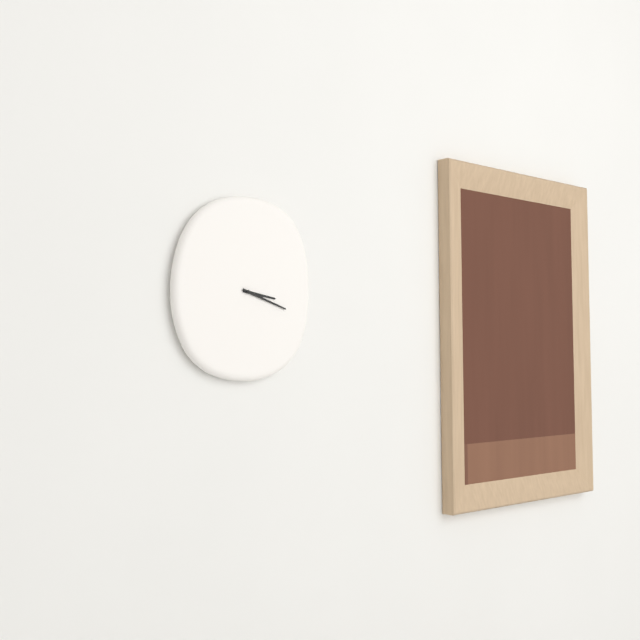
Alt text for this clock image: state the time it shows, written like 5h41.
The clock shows 3h18
